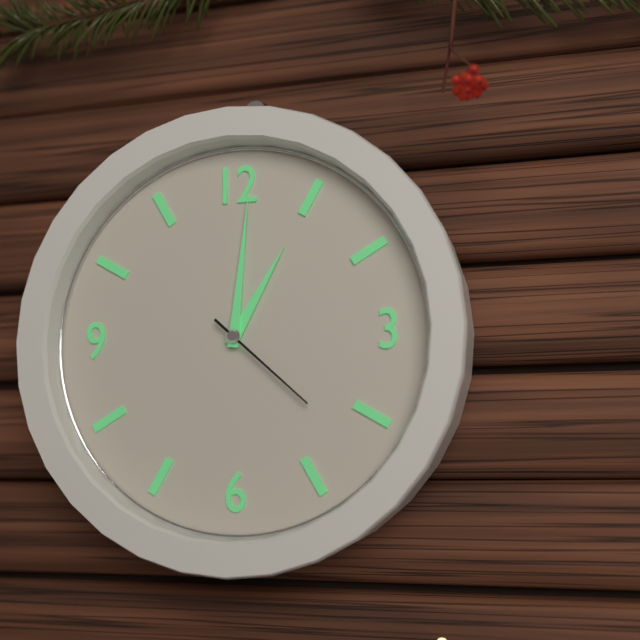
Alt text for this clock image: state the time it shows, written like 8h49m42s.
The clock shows 1h01m22s
